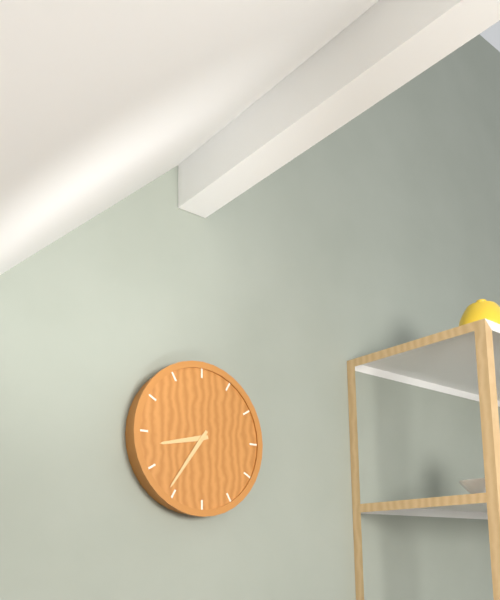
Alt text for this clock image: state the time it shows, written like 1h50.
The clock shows 8h36
